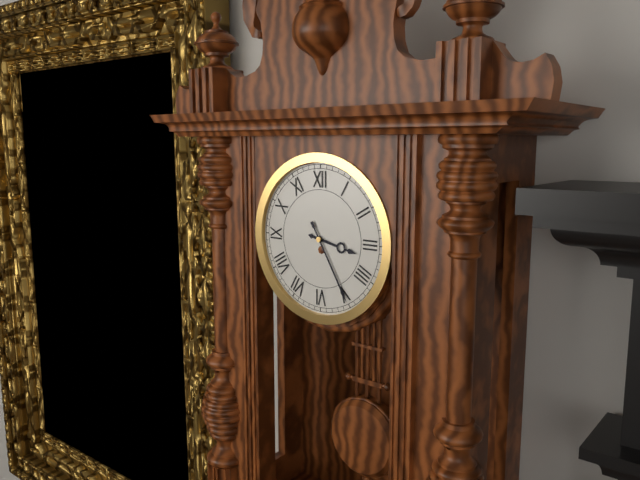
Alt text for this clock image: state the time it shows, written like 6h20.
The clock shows 3h25
